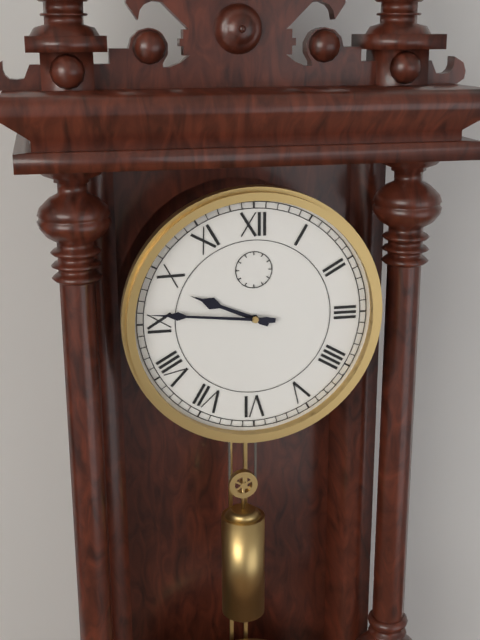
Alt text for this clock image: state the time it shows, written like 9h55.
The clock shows 9h46
